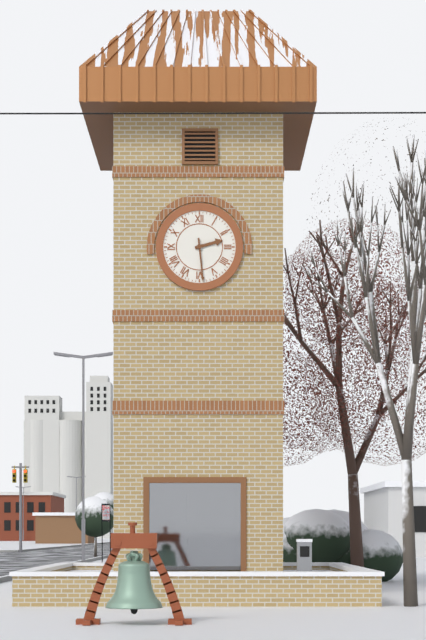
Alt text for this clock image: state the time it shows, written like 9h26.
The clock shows 2h29
